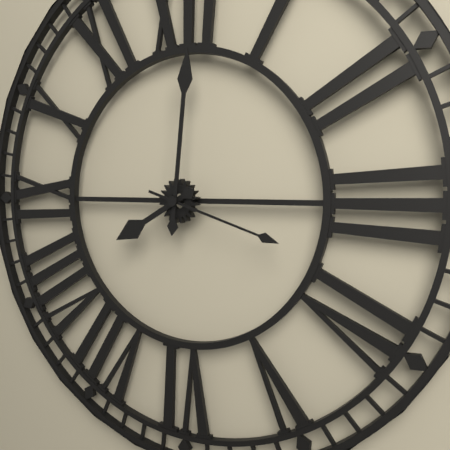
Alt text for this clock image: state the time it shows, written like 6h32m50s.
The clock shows 8h01m18s
